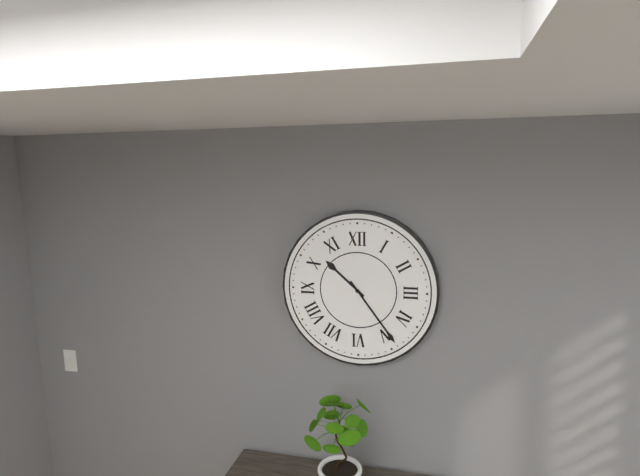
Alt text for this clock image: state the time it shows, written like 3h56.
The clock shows 10h24
